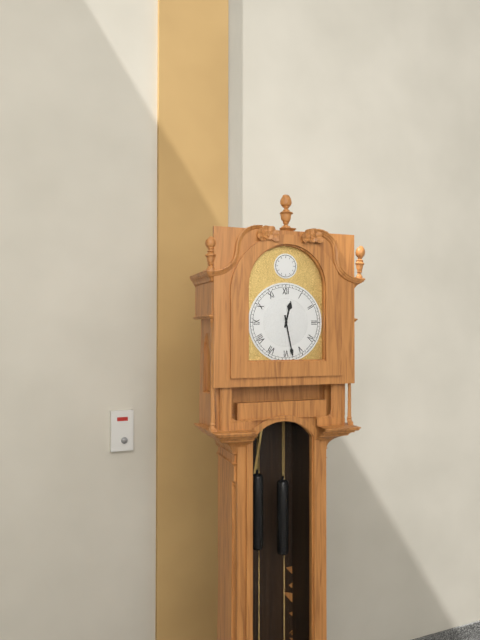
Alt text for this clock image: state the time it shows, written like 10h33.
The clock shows 12h28
